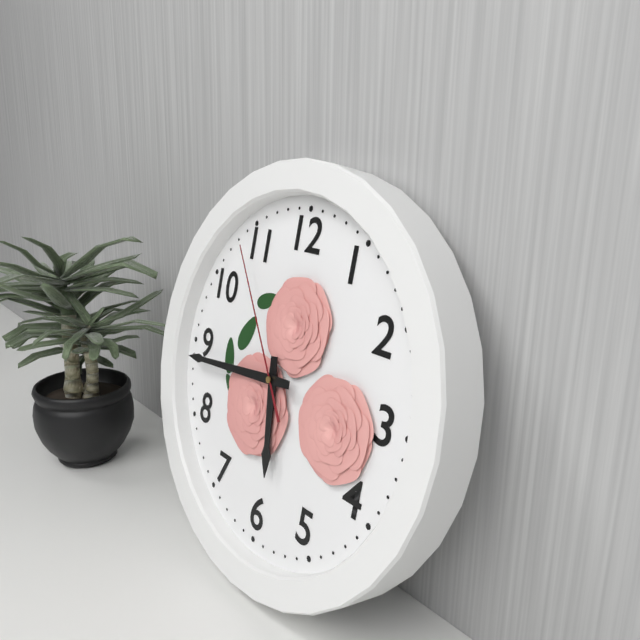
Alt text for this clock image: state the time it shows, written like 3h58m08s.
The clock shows 5h44m54s
